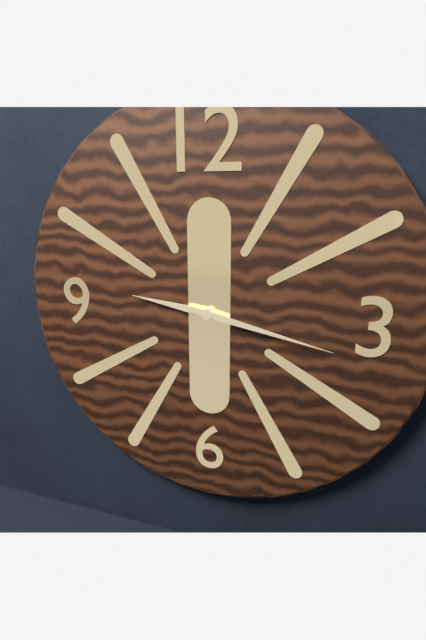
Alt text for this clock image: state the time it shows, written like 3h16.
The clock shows 9h17
